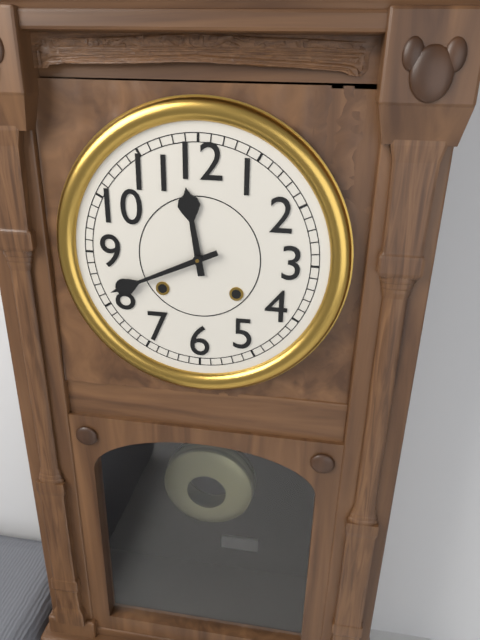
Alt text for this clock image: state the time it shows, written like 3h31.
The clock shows 11h41
